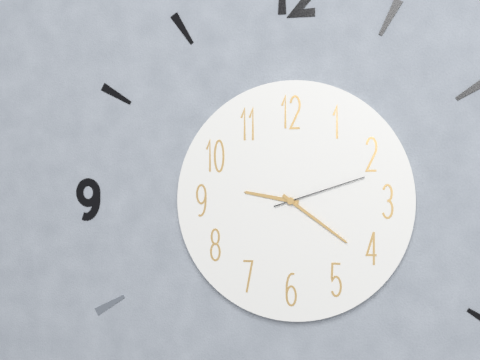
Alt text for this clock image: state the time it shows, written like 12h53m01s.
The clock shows 9h21m12s
